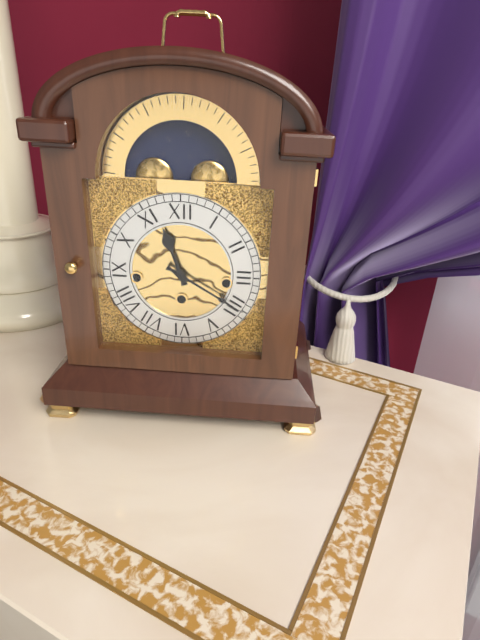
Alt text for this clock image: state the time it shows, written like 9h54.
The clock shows 11h20
